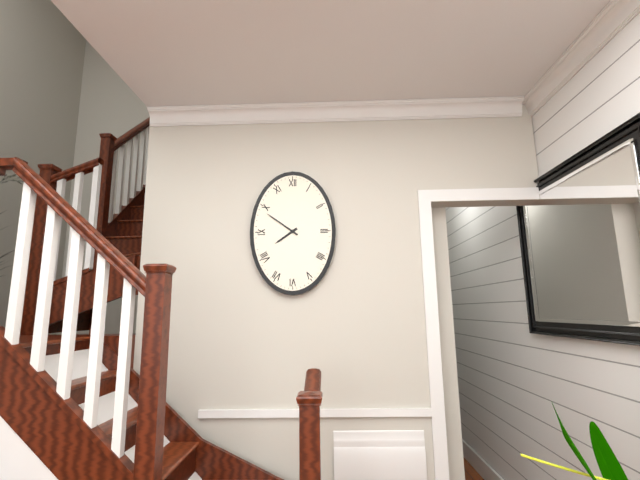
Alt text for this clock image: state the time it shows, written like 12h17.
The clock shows 7h51
